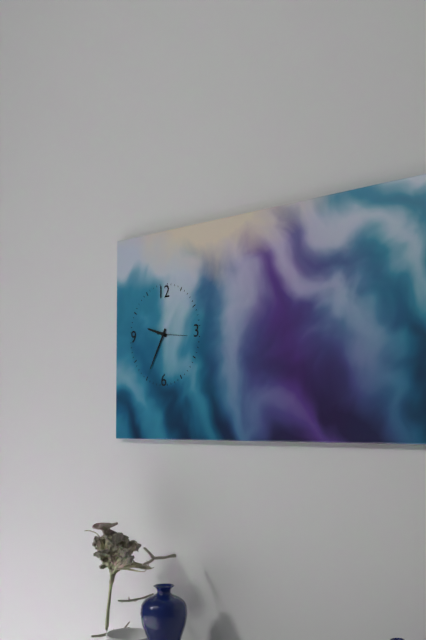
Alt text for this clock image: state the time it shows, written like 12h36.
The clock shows 9h35
